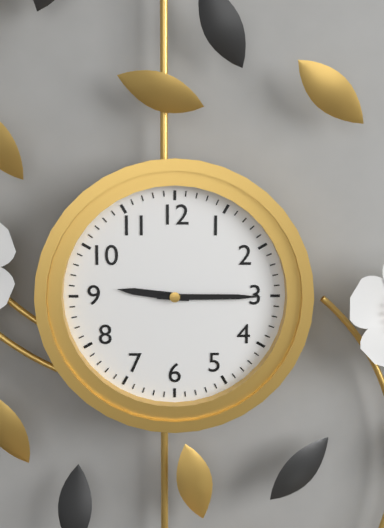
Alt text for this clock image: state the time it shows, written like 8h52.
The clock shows 9h15
